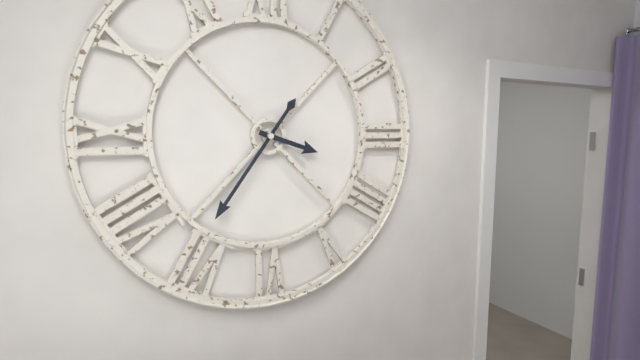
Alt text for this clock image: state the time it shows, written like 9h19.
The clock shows 3h36
